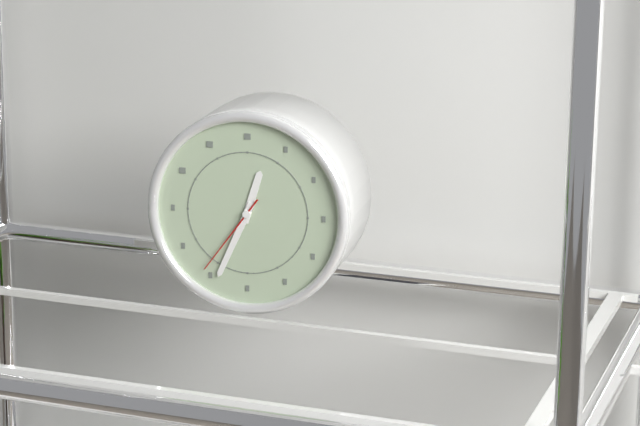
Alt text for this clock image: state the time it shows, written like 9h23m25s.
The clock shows 12h34m36s
